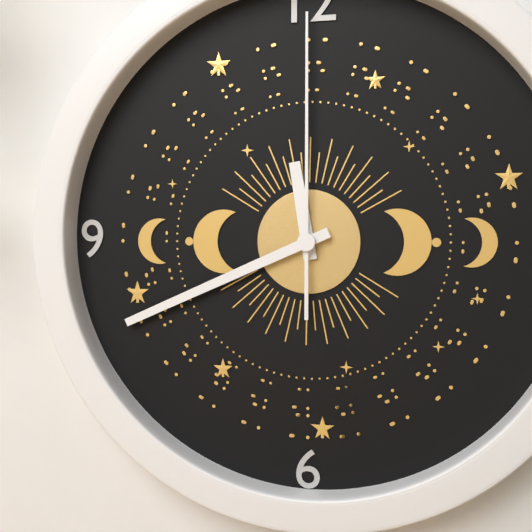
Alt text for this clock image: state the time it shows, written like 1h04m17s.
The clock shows 11h41m00s
